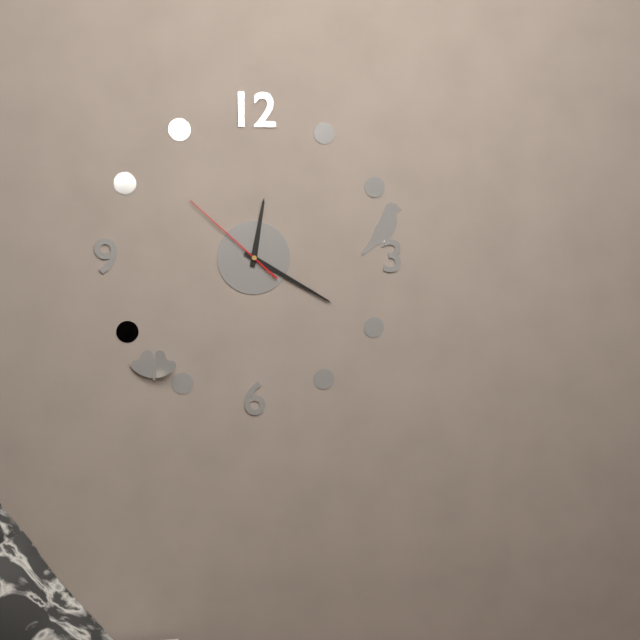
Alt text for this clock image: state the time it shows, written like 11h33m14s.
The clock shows 12h20m52s
